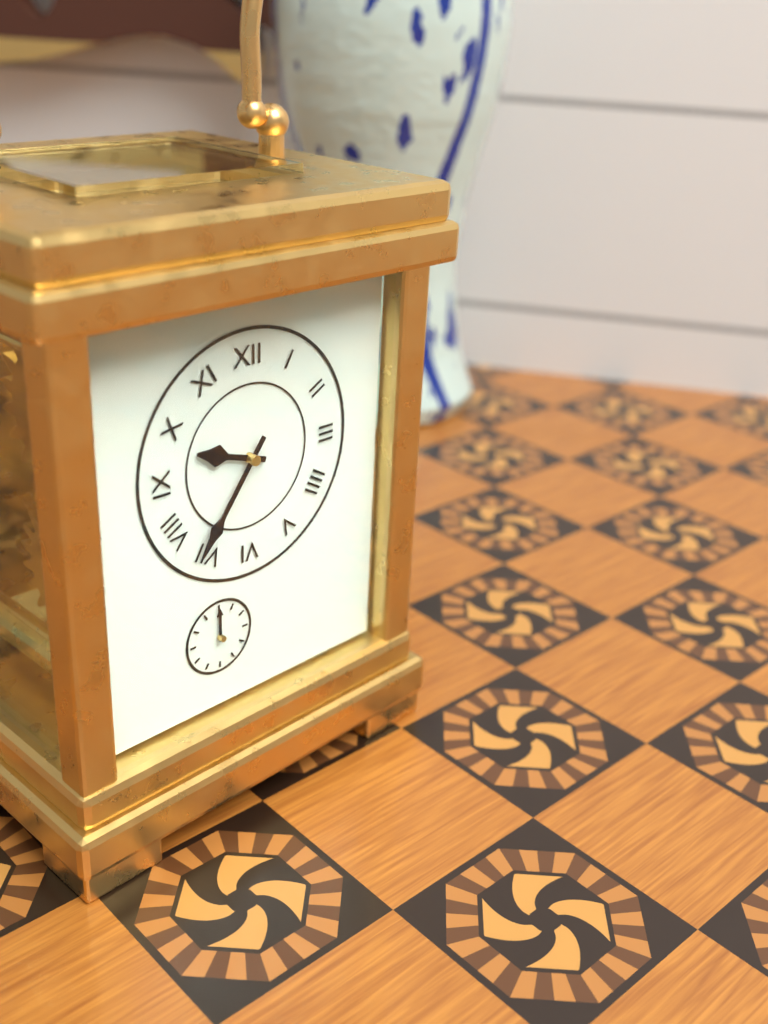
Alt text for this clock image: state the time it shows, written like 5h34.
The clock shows 9h36
